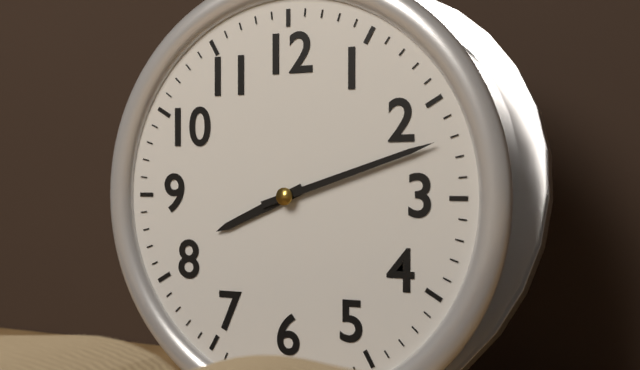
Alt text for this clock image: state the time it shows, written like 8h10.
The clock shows 8h12
